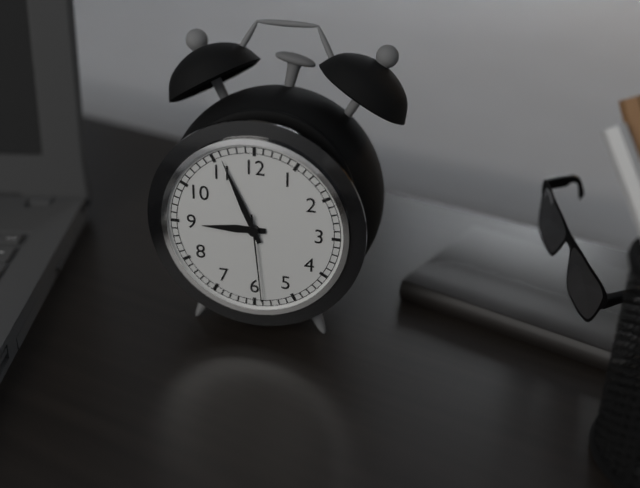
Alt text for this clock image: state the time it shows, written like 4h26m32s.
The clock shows 8h56m29s
